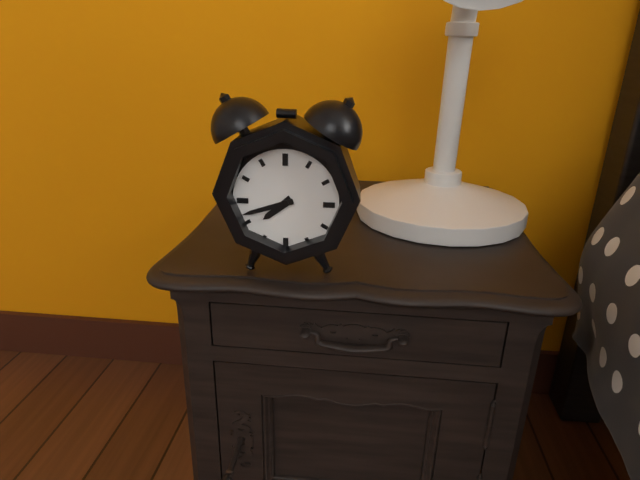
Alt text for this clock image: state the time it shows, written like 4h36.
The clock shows 7h42
